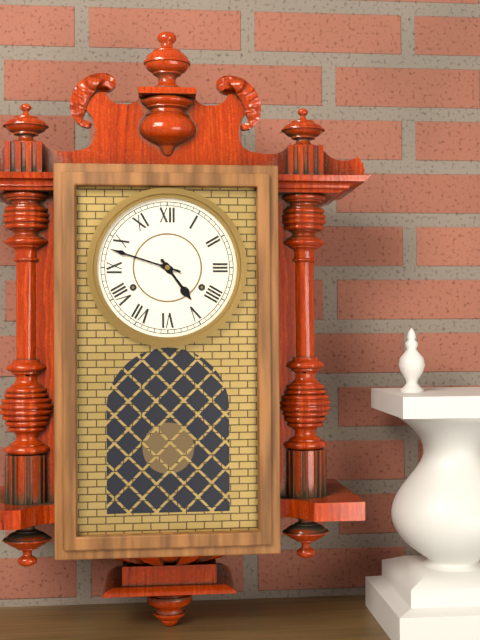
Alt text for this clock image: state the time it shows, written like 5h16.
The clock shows 4h48
